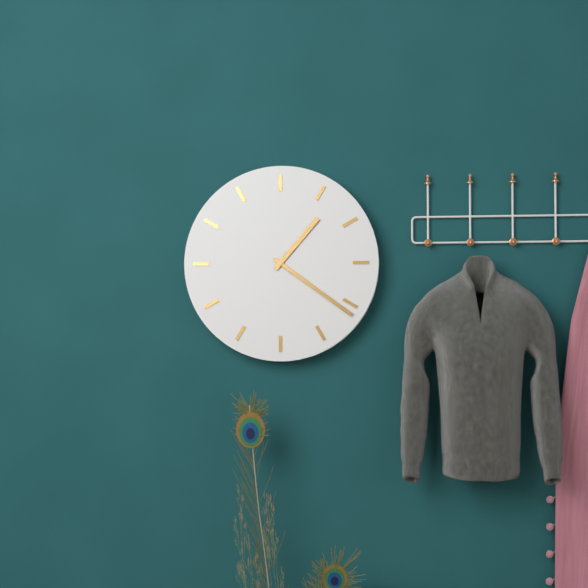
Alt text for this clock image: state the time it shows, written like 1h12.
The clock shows 1h21
